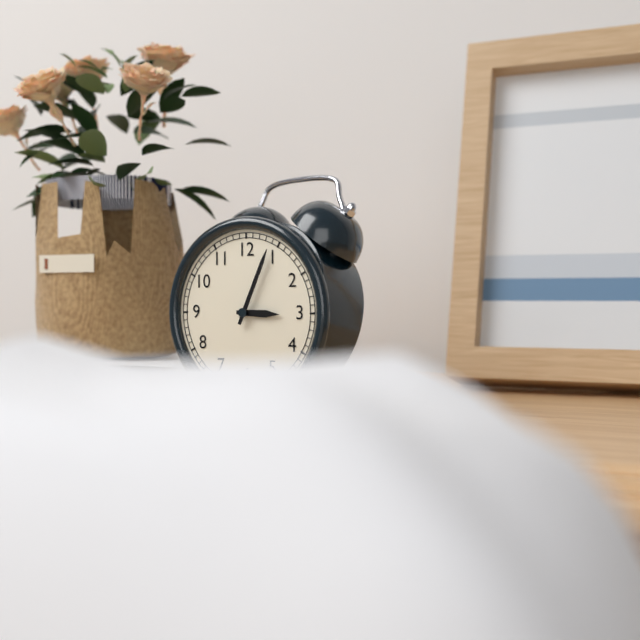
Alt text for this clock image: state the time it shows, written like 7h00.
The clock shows 3h04
